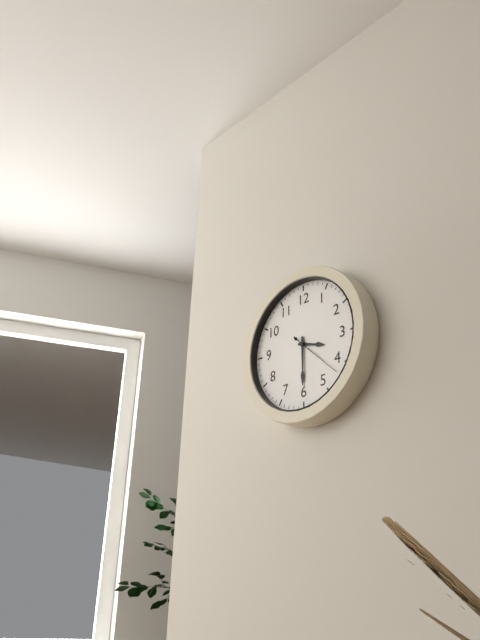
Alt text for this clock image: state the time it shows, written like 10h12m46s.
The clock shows 3h30m22s
